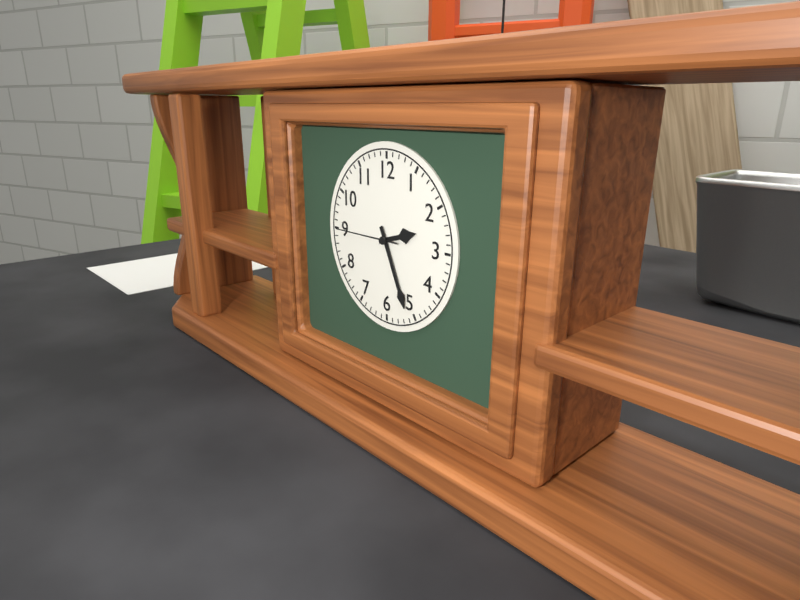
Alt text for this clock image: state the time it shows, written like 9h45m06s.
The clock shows 2h26m45s
